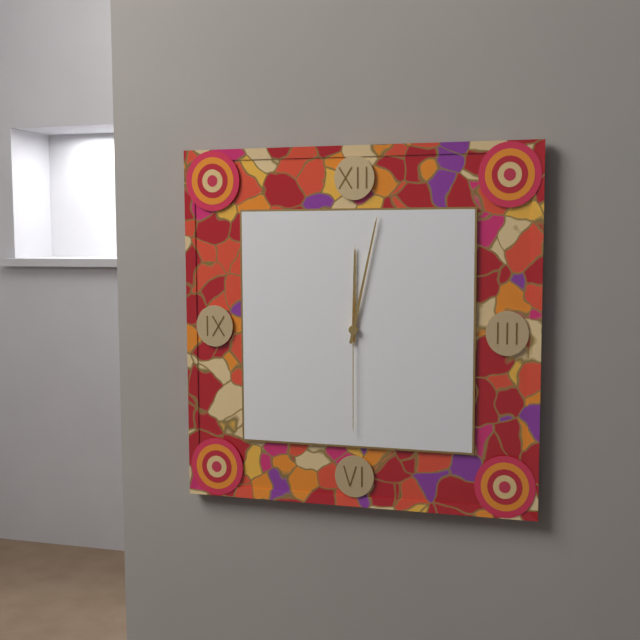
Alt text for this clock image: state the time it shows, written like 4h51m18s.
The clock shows 12h02m30s
